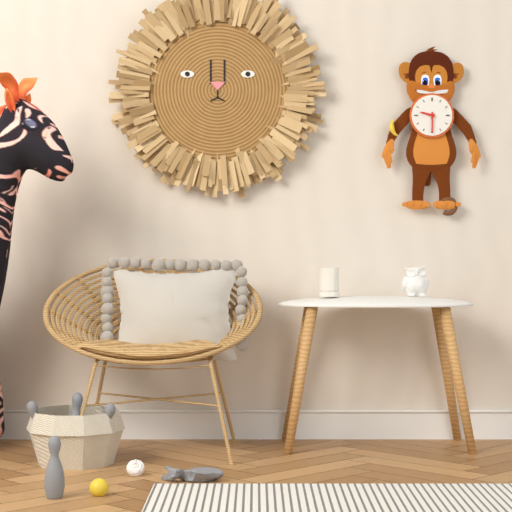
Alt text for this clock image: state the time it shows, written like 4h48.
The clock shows 9h30
